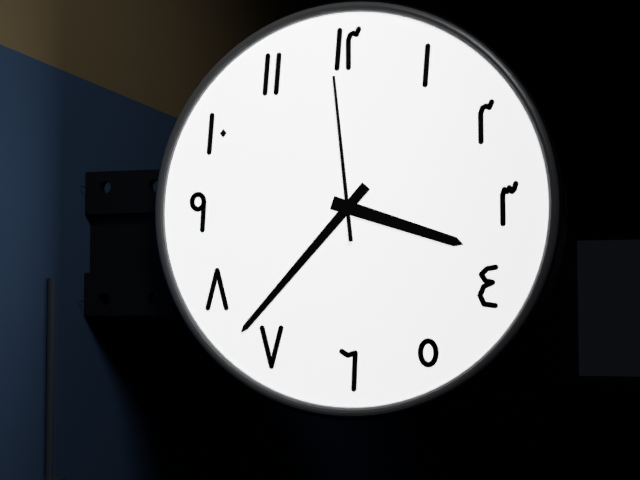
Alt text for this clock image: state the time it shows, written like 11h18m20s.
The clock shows 3h37m59s
